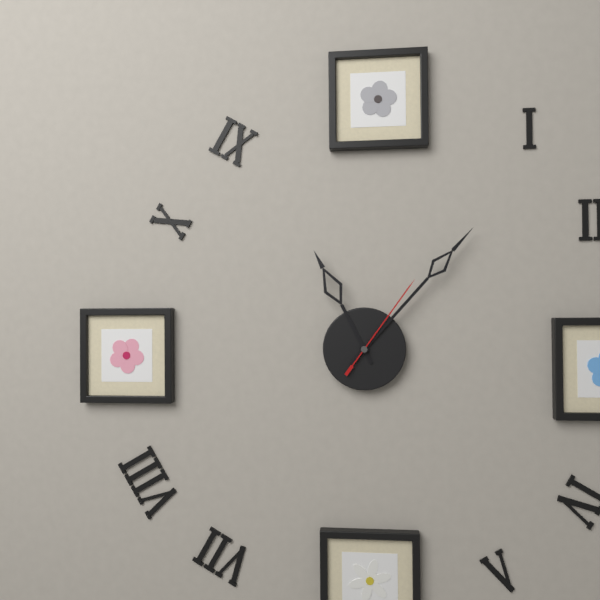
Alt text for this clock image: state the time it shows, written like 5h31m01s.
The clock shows 11h07m06s
